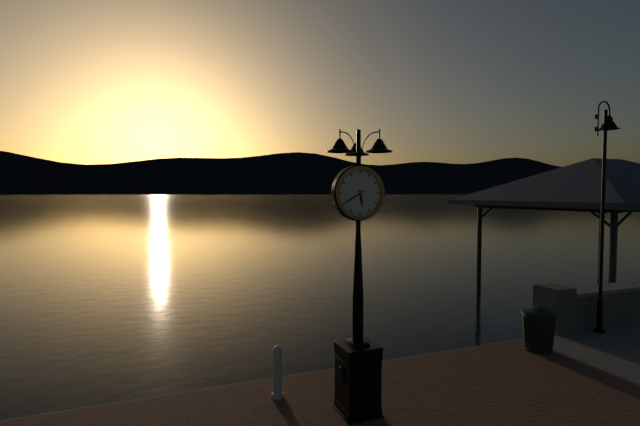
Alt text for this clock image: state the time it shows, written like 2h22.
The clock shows 5h40
